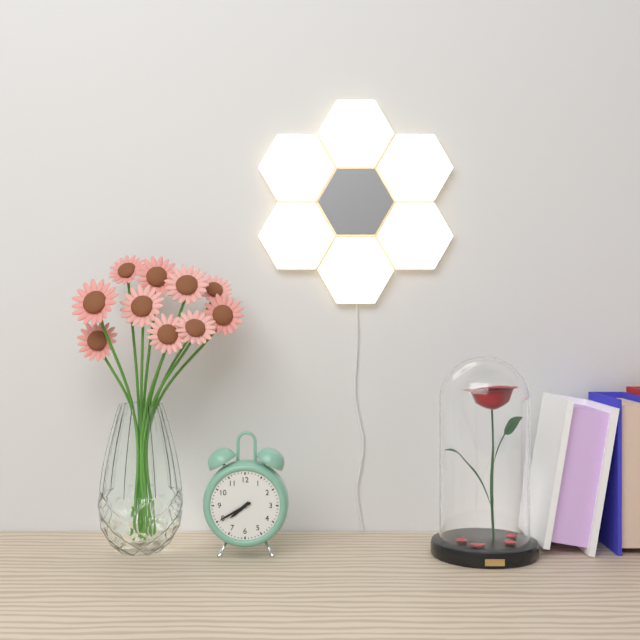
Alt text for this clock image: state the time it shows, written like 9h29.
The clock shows 7h40
